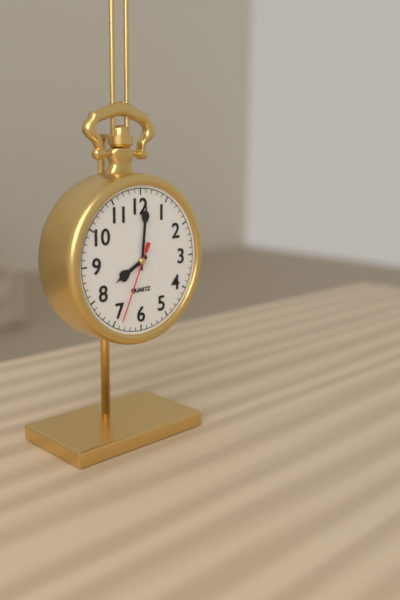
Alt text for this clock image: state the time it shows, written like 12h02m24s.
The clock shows 8h01m34s
